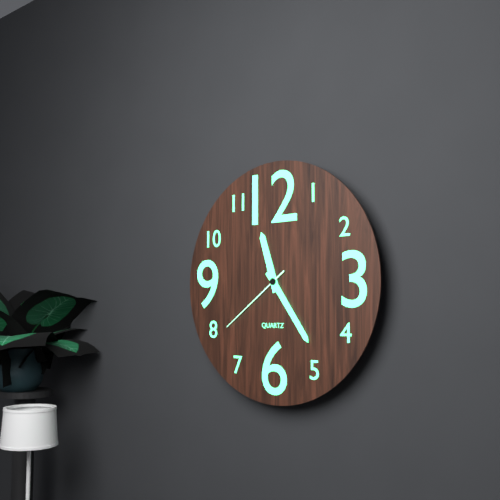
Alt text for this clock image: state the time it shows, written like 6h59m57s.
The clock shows 11h24m39s
